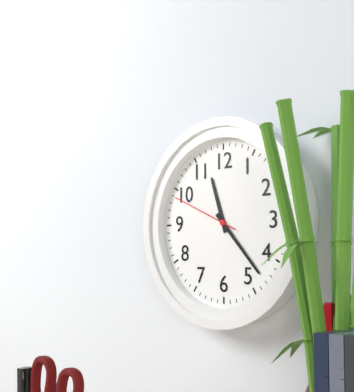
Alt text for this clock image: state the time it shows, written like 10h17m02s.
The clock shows 11h23m49s
